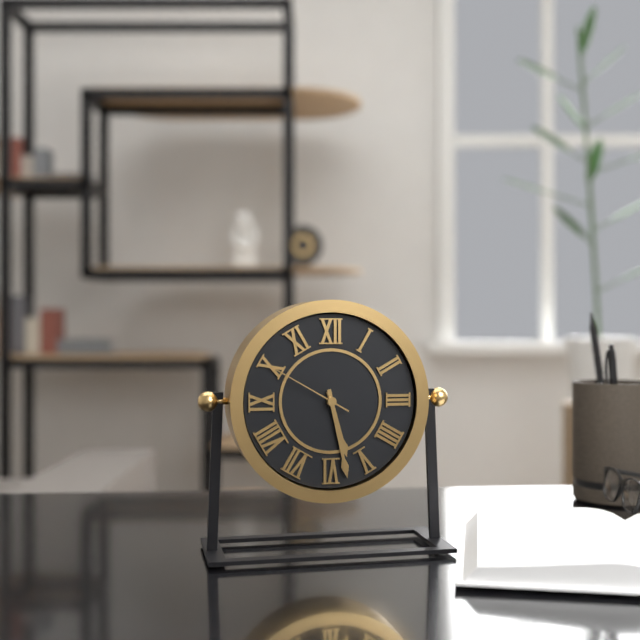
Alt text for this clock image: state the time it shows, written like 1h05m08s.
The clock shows 5h28m50s
